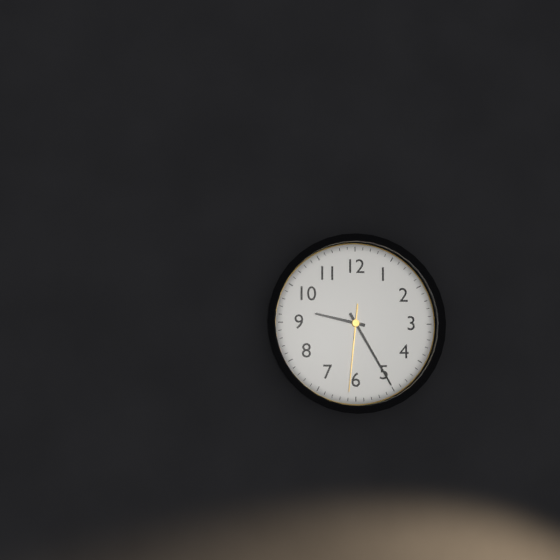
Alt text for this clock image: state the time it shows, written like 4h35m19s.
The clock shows 9h25m31s
